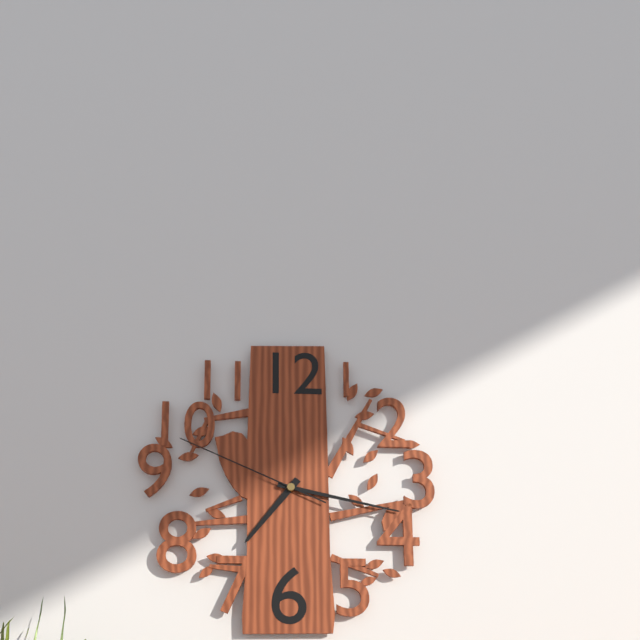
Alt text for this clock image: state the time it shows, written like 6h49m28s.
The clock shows 7h17m49s
